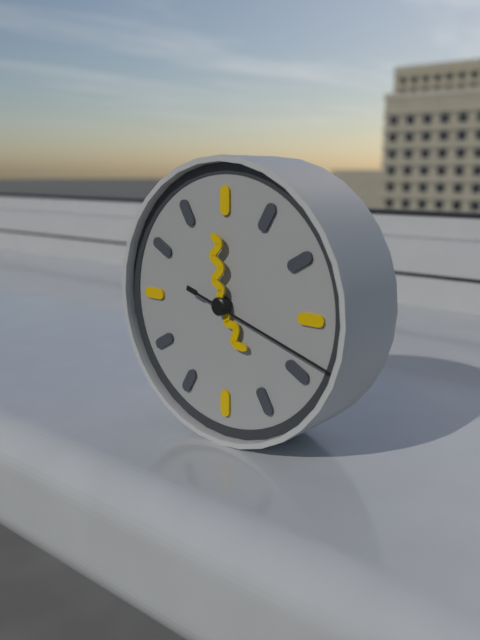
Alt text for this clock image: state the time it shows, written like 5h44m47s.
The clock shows 4h59m18s
